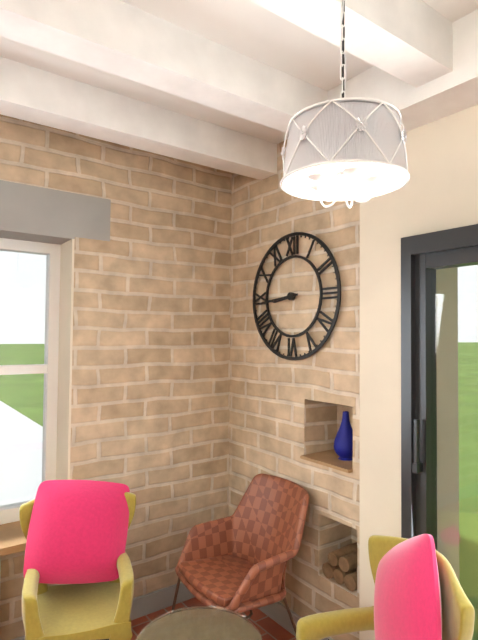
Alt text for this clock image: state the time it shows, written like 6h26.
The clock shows 8h44
